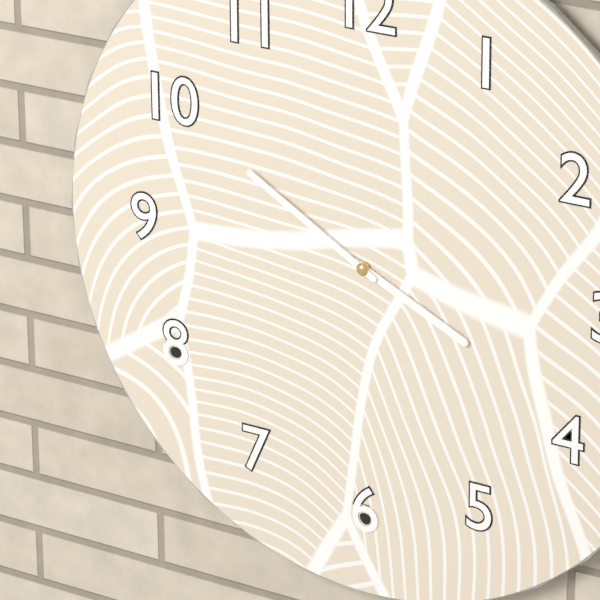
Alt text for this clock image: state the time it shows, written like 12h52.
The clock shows 3h50
